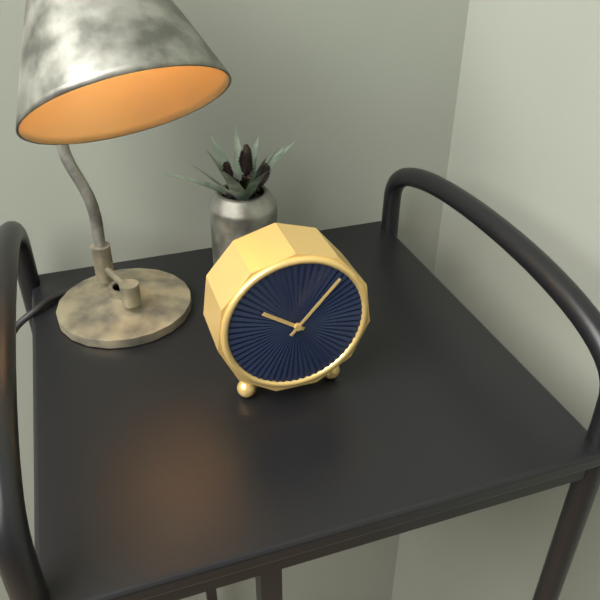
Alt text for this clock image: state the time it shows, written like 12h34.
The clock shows 10h07
